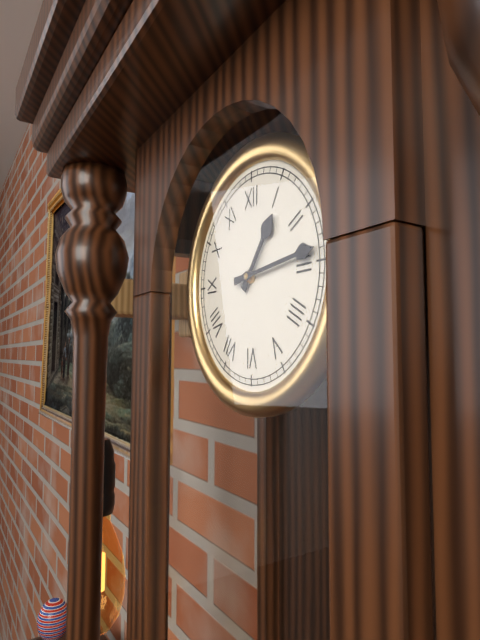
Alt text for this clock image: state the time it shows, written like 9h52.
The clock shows 1h14
